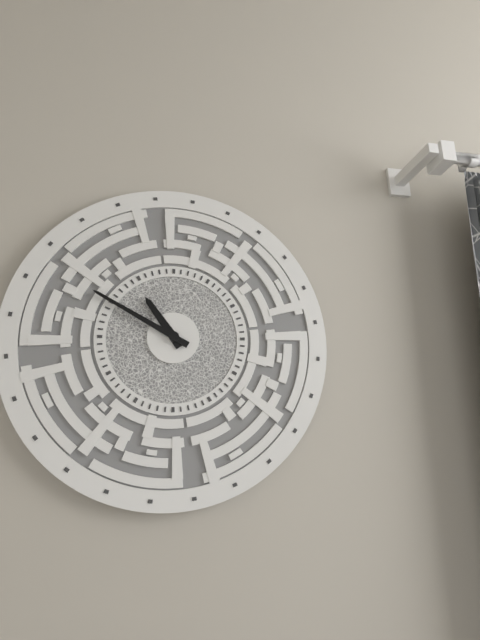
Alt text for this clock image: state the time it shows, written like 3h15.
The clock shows 10h50
